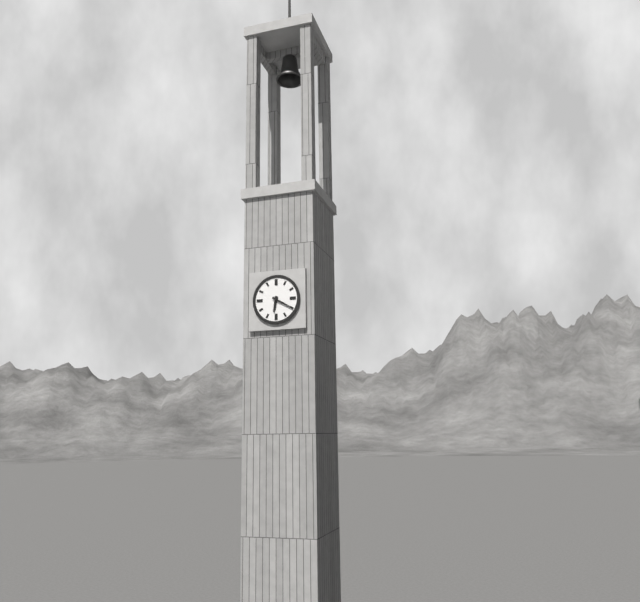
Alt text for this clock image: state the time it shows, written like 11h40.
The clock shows 6h20
